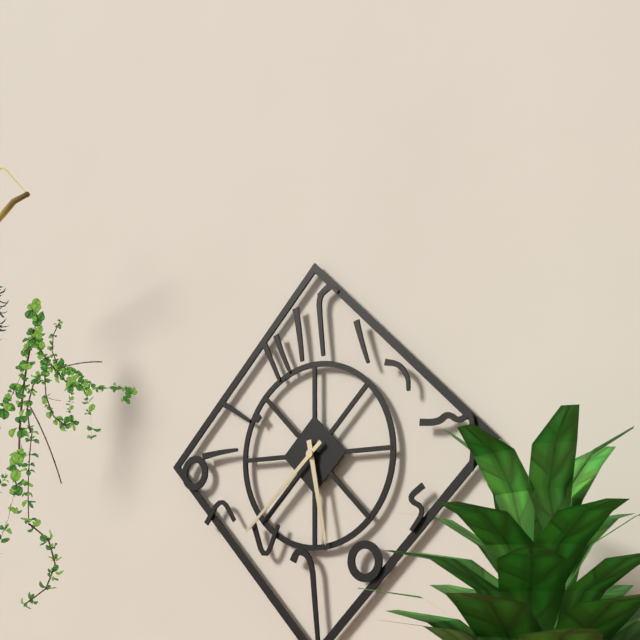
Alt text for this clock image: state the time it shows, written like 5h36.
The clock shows 5h38
